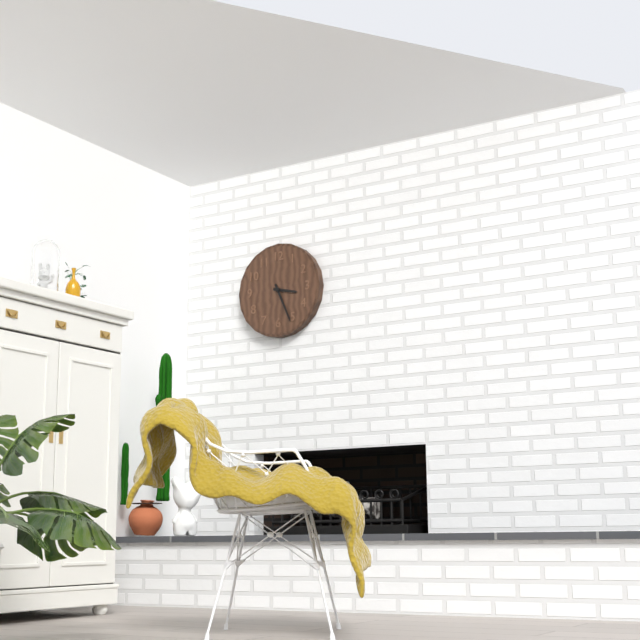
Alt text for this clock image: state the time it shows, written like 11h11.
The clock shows 3h26
